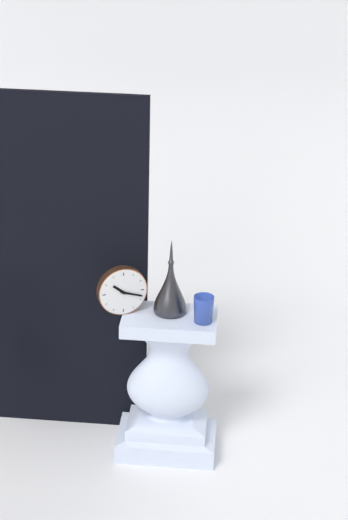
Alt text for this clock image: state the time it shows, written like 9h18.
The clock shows 10h18
